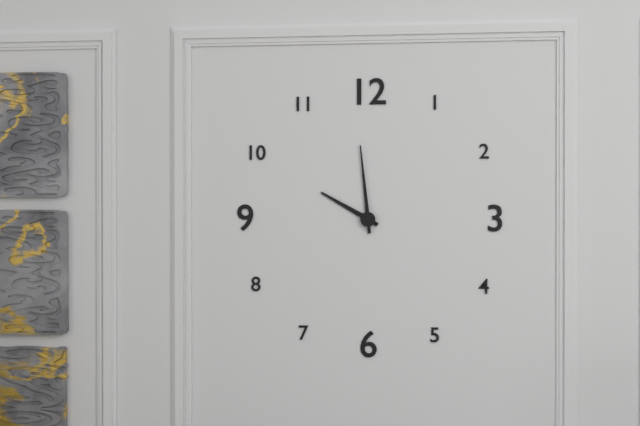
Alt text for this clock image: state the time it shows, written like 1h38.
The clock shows 9h59
